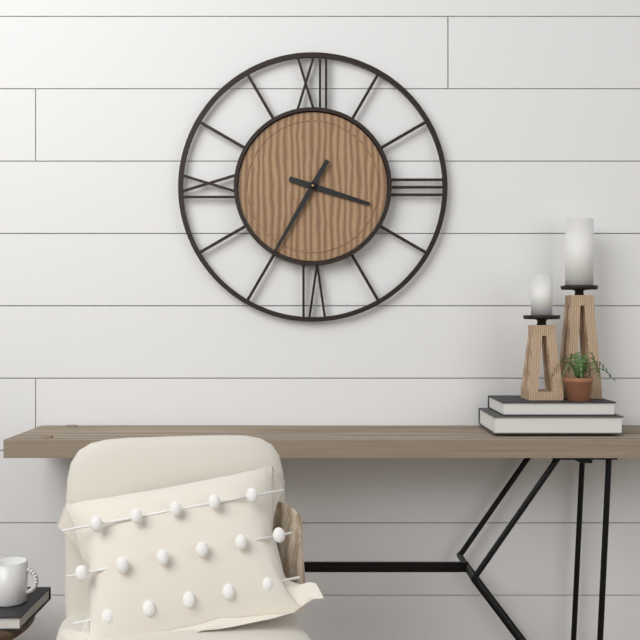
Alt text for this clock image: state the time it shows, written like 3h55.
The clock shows 3h35
